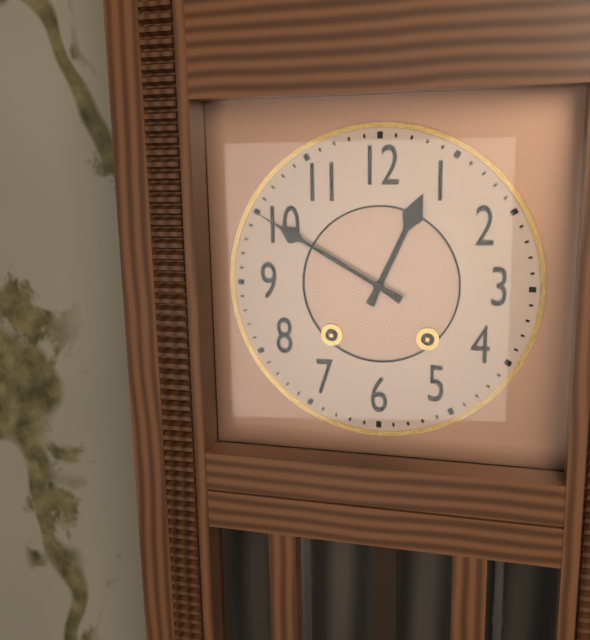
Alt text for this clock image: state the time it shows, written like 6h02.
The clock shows 12h50
